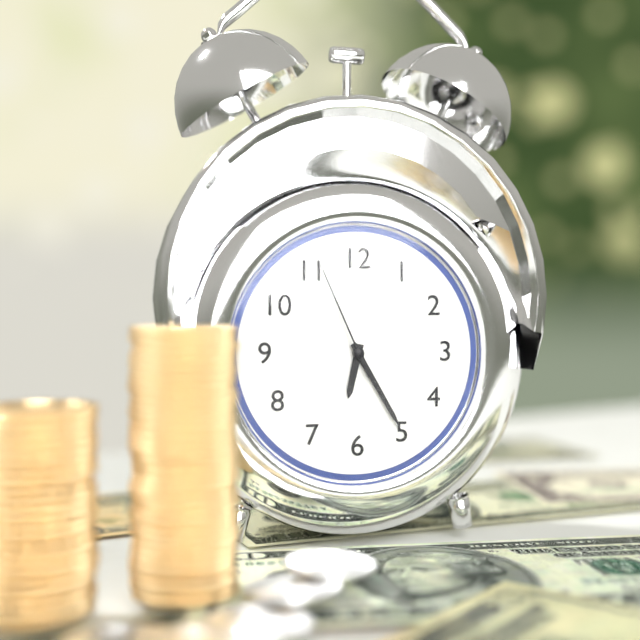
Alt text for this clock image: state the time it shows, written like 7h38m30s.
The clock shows 6h25m56s
